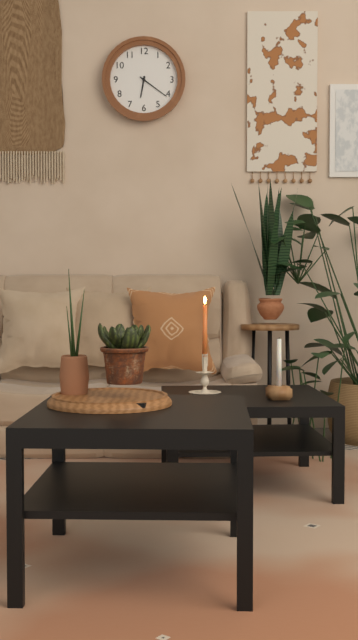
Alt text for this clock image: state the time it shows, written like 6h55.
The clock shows 6h21
